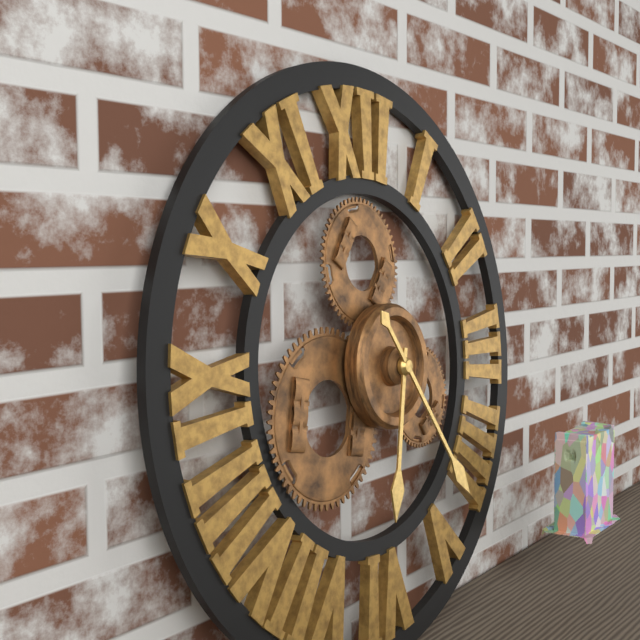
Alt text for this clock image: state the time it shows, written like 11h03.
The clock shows 6h24
